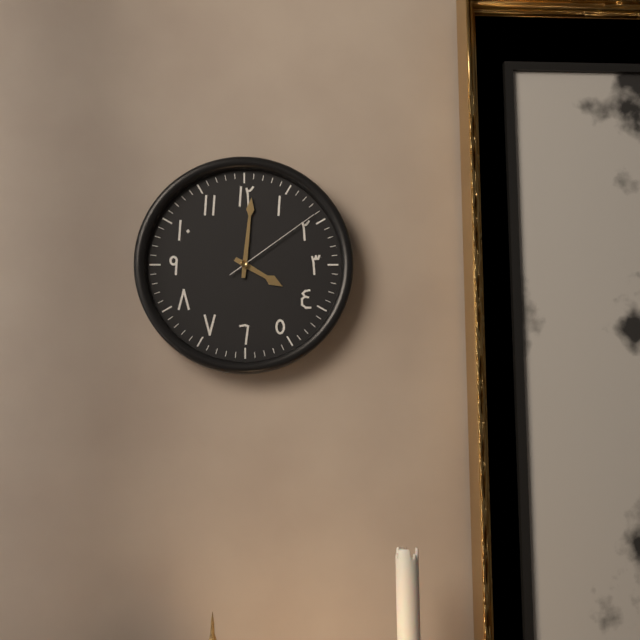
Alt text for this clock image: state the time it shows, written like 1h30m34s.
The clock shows 4h01m09s
